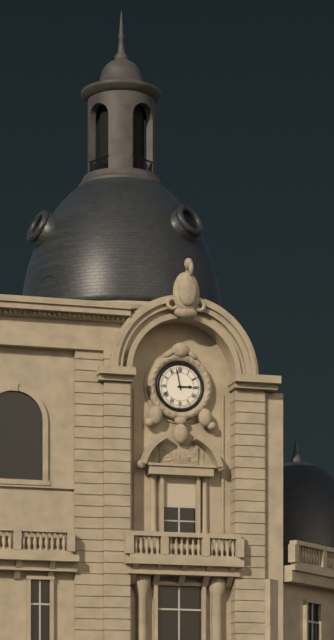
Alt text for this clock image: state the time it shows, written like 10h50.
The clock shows 2h58
